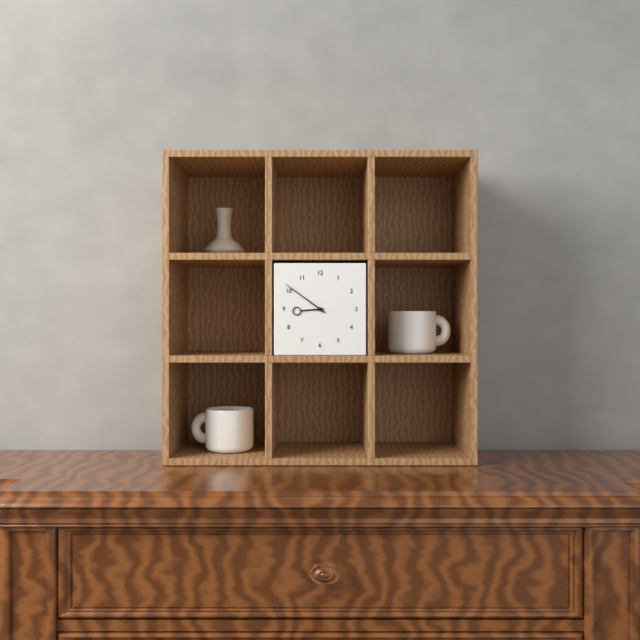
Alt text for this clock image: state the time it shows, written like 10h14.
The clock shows 8h51
